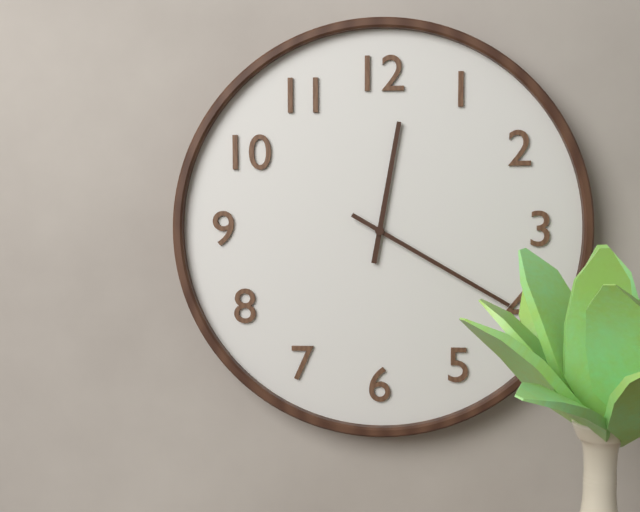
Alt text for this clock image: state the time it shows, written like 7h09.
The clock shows 12h20
